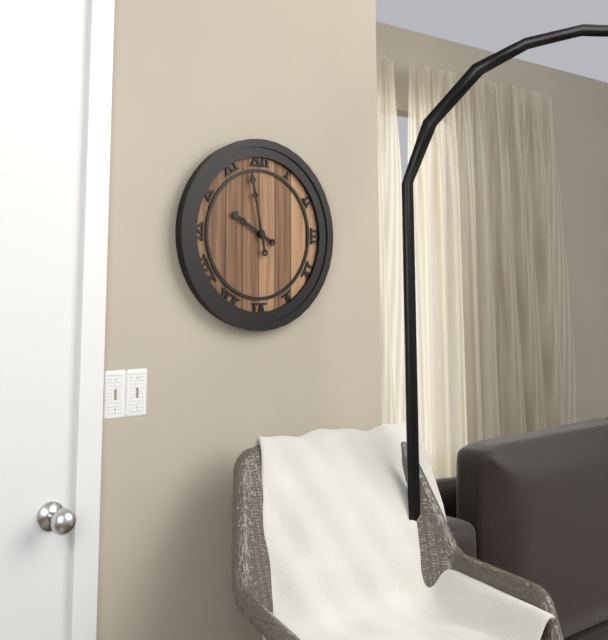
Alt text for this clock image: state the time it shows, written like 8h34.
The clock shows 9h58
